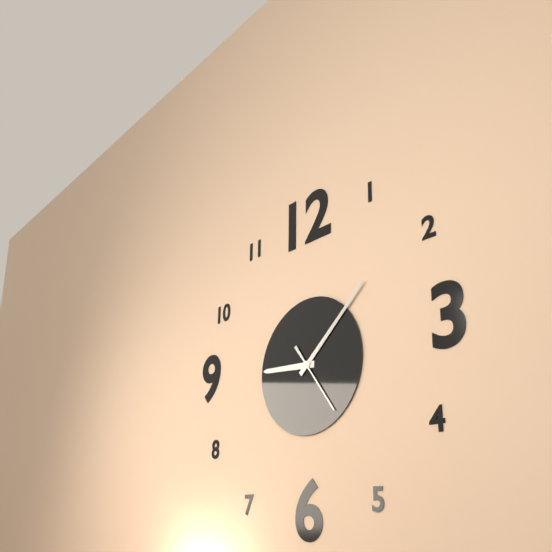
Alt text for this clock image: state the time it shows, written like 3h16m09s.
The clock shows 9h08m24s
